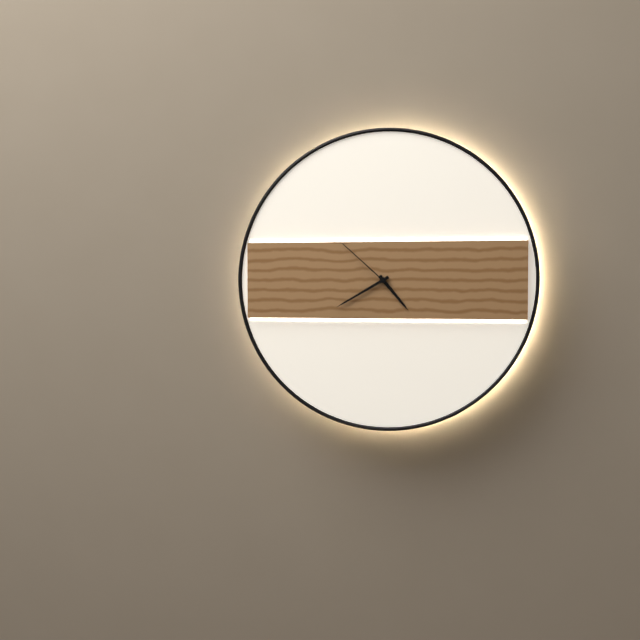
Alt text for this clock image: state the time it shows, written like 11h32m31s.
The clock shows 4h40m52s
